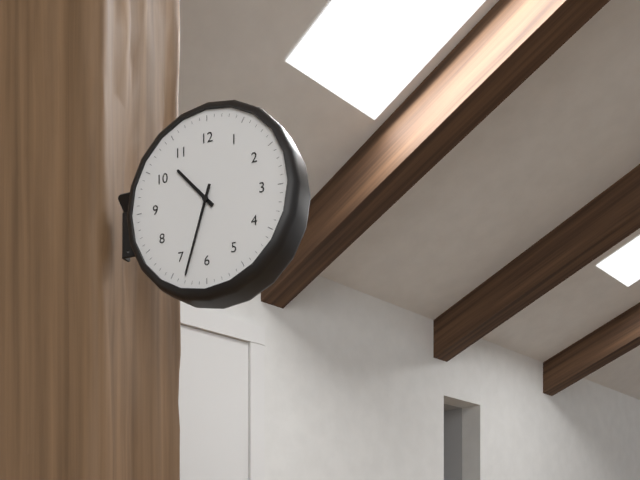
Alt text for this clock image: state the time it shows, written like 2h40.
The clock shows 10h33
